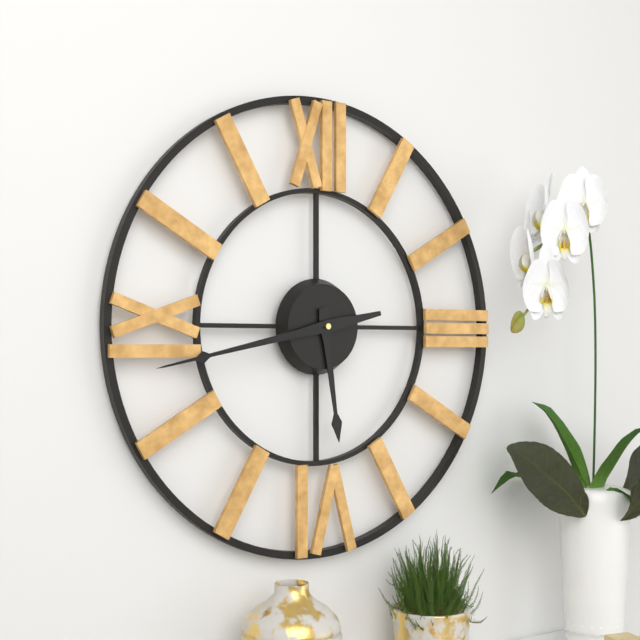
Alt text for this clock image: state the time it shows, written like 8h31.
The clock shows 5h43
